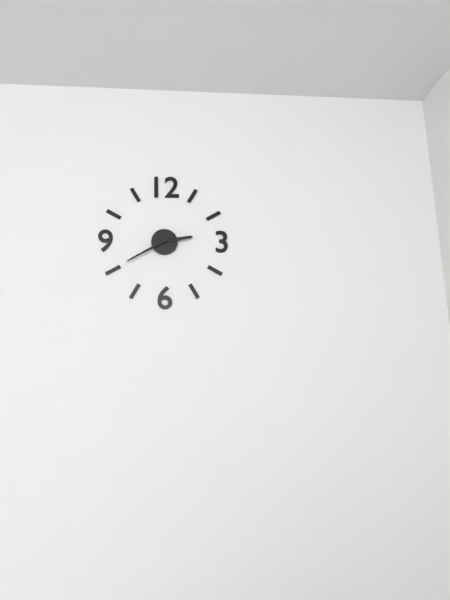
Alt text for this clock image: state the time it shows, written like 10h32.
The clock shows 2h40
